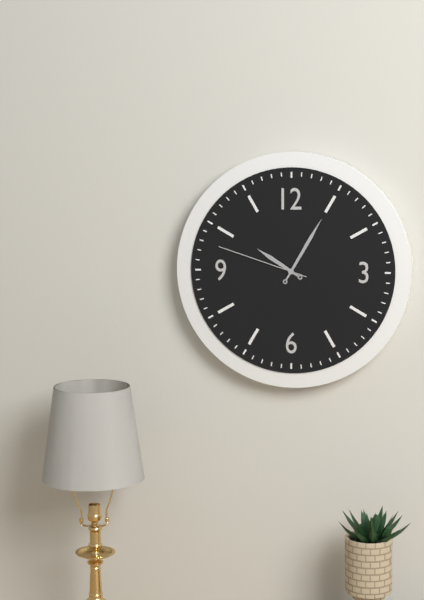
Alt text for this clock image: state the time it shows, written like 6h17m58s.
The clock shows 10h05m48s
